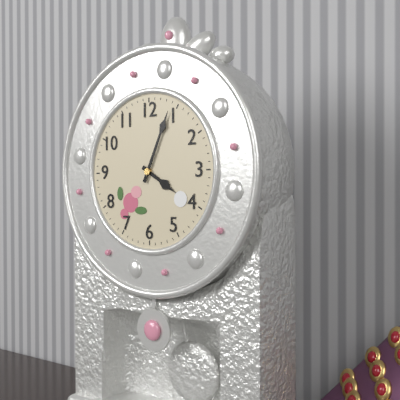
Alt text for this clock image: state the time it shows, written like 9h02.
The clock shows 4h04
